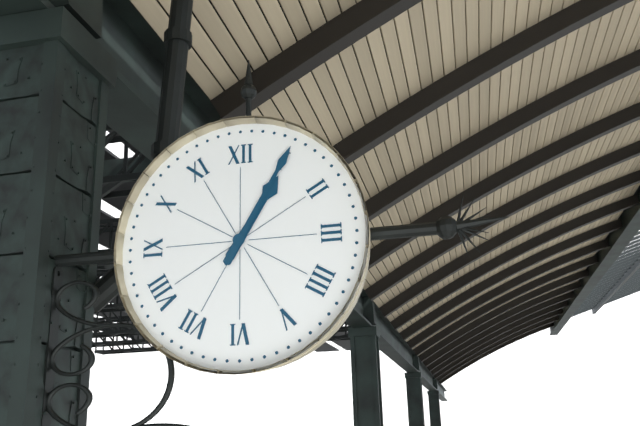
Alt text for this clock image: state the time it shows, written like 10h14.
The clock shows 1h05
